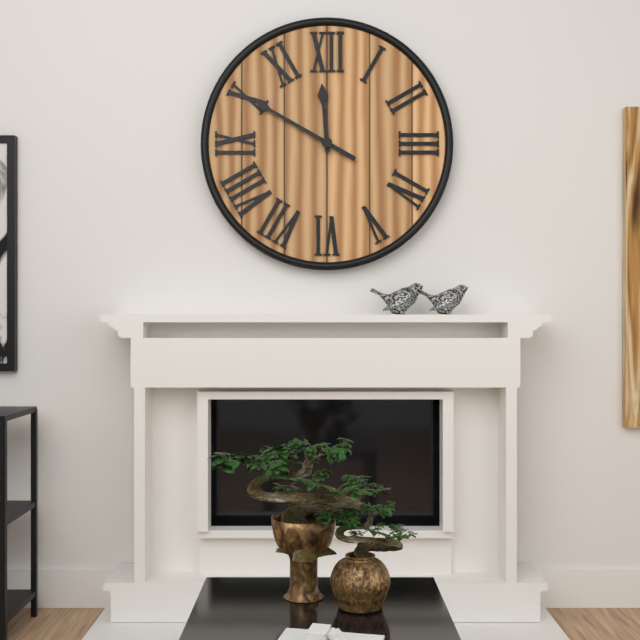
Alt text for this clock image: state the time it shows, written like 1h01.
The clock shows 11h50
